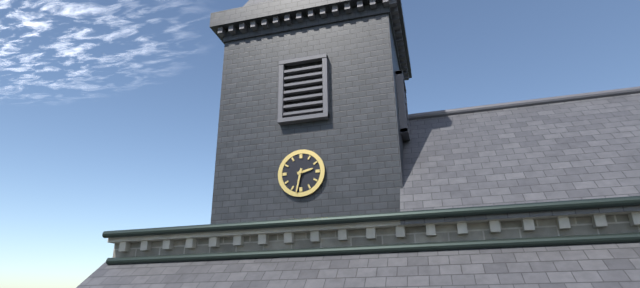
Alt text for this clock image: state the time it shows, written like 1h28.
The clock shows 2h32
